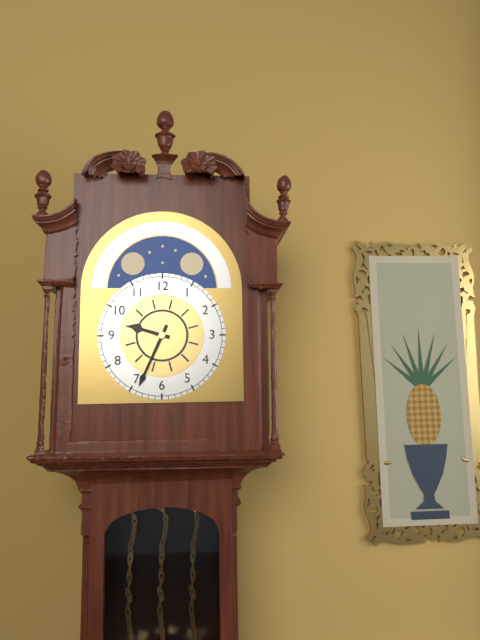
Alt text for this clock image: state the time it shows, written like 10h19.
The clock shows 9h34
